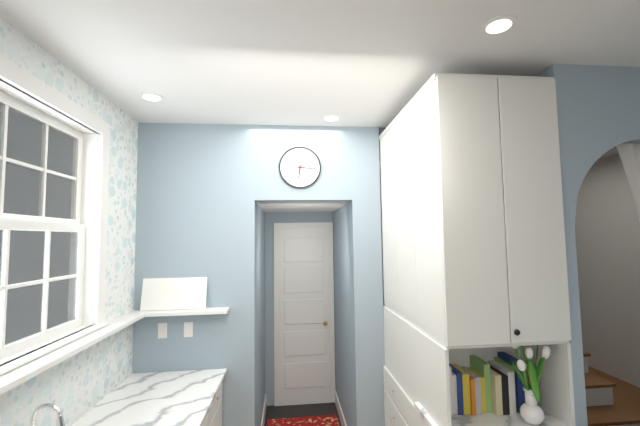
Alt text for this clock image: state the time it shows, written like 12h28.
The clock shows 6h16
